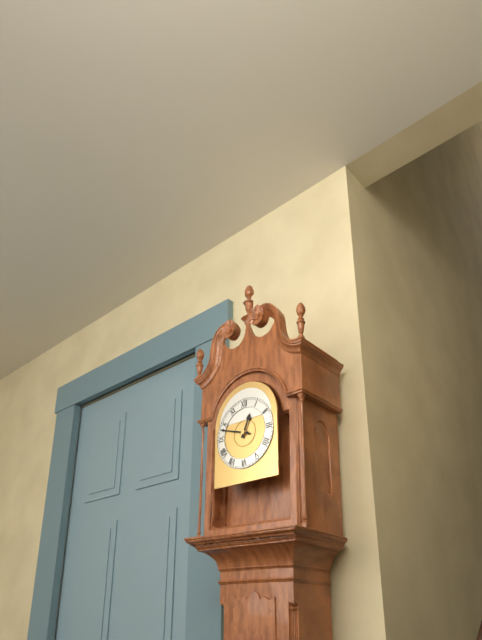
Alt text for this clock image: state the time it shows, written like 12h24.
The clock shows 12h48
